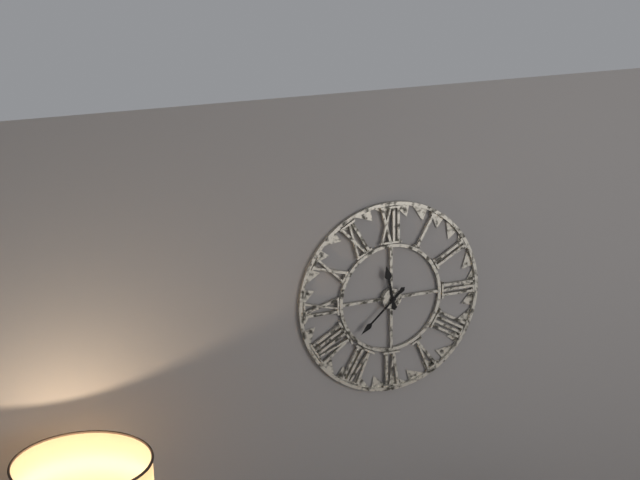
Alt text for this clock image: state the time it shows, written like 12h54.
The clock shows 11h38
